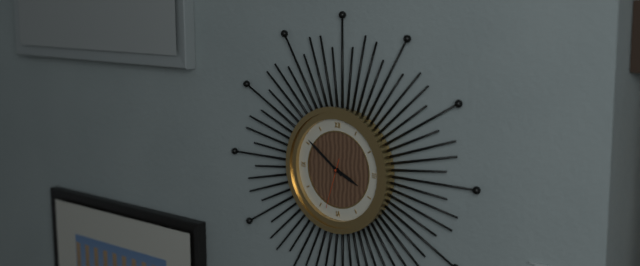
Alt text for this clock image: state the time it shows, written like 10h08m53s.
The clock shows 3h51m33s
